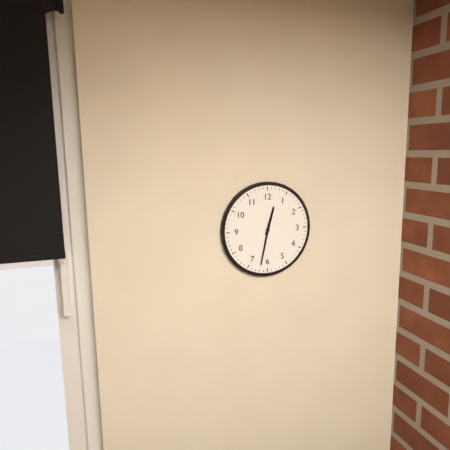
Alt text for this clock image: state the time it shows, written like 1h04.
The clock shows 12h32
